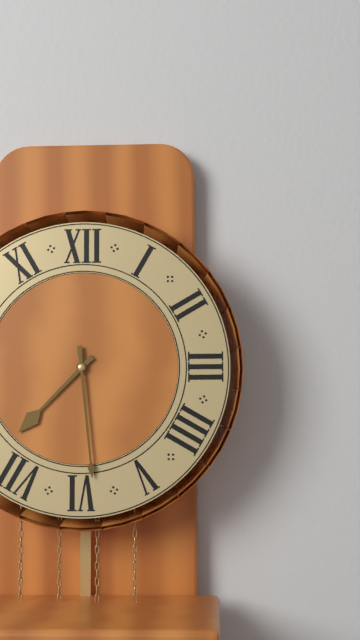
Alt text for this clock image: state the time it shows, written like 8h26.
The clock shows 7h29
